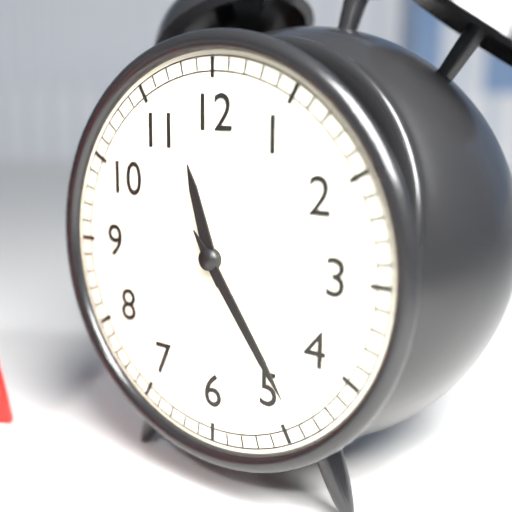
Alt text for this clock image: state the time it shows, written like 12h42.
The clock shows 11h24
